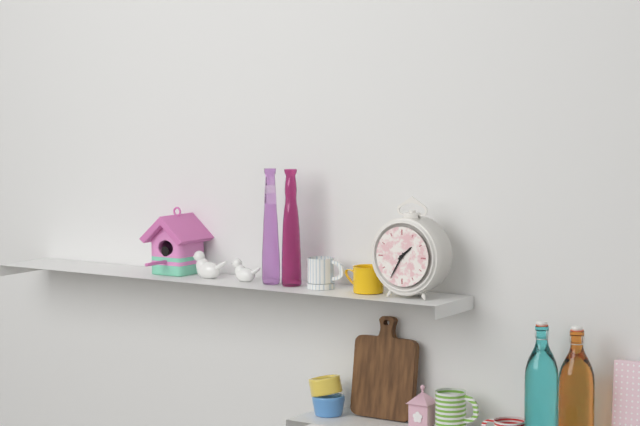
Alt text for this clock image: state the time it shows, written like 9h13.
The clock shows 1h35
